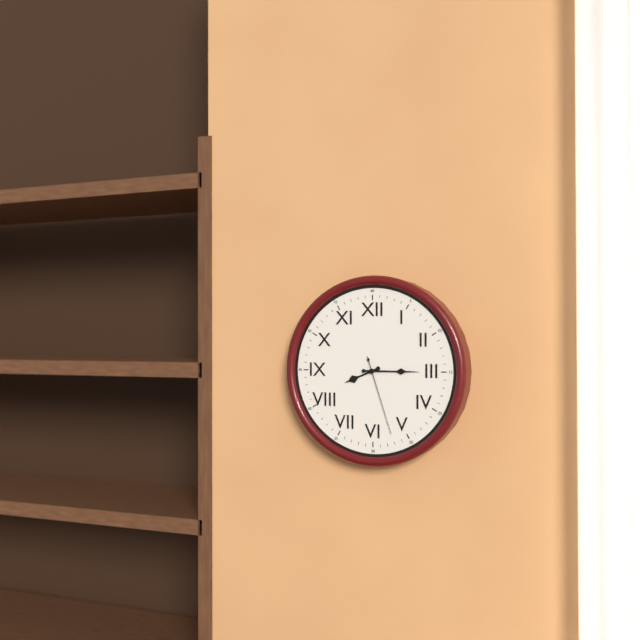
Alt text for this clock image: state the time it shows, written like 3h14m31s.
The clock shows 8h15m27s
